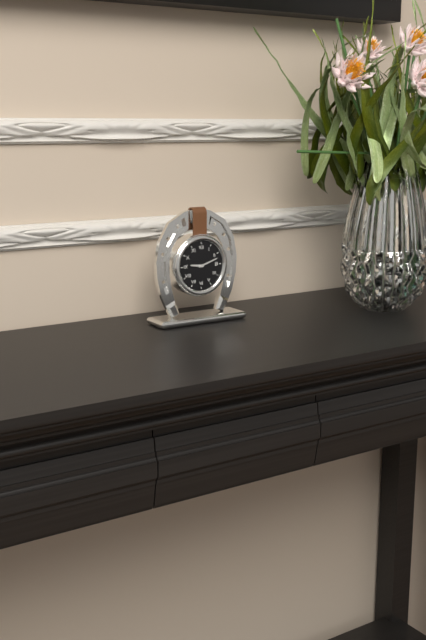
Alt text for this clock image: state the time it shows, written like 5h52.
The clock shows 9h12
